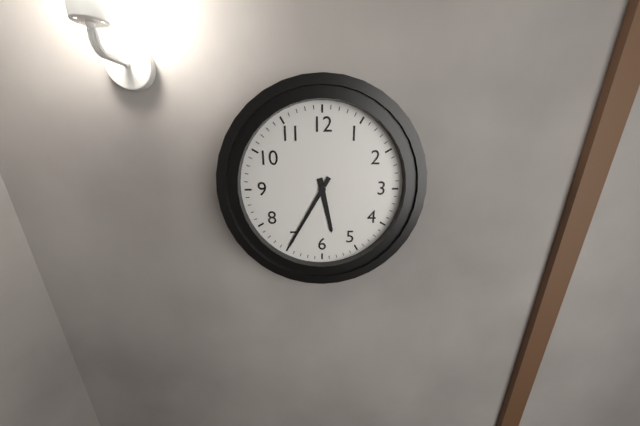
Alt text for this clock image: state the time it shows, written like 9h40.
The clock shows 5h35
